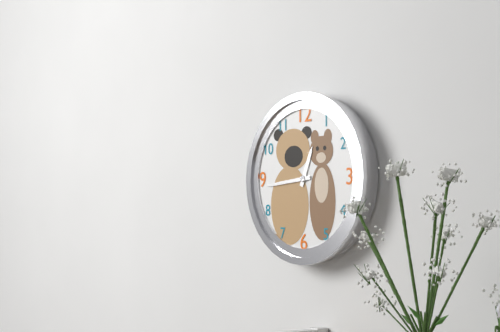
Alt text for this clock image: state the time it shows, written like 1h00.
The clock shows 12h44
